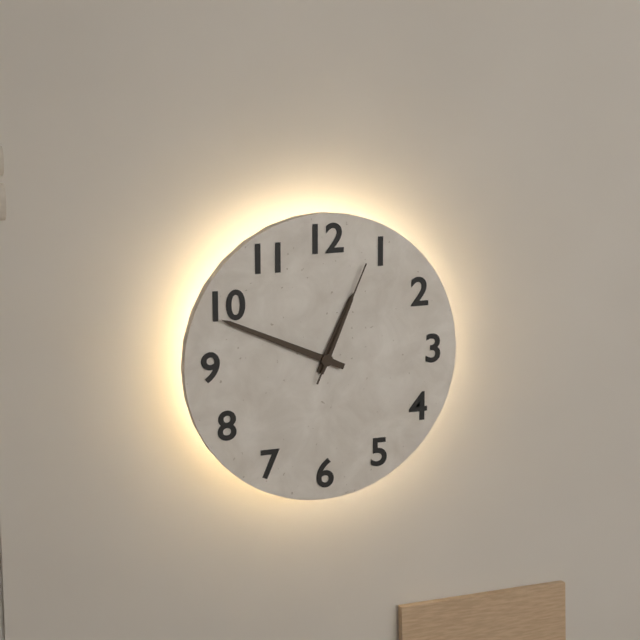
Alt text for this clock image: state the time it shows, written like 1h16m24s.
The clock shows 12h49m04s
